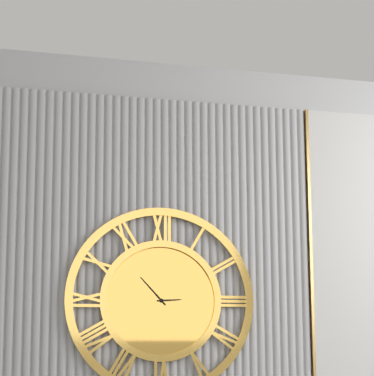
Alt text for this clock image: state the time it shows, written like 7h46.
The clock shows 2h53
